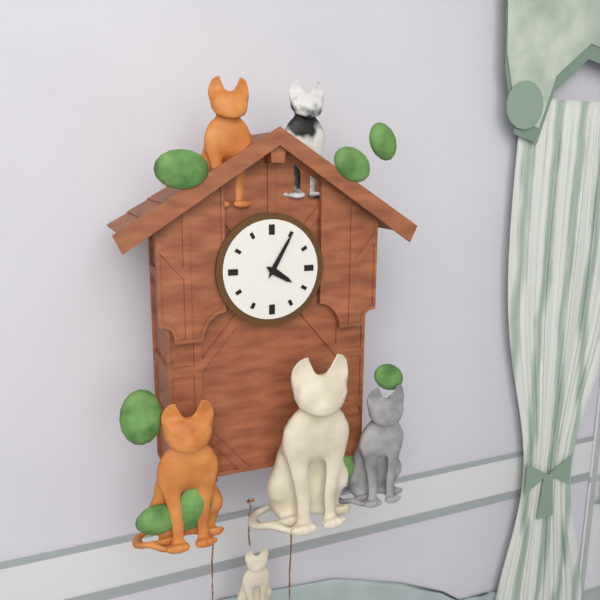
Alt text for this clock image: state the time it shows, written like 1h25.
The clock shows 4h05
